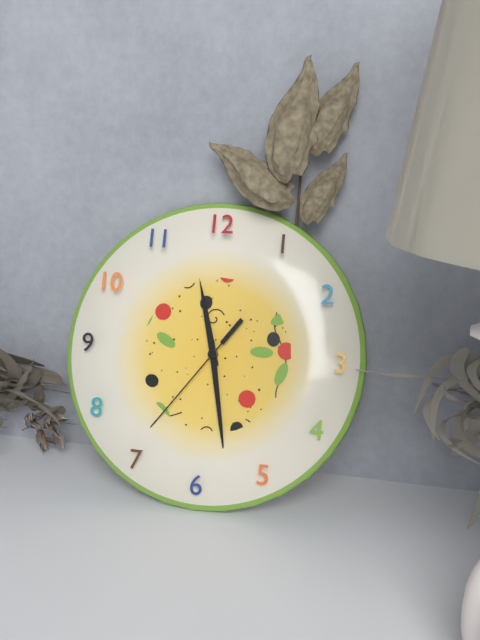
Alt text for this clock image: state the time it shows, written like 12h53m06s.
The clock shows 11h28m36s
